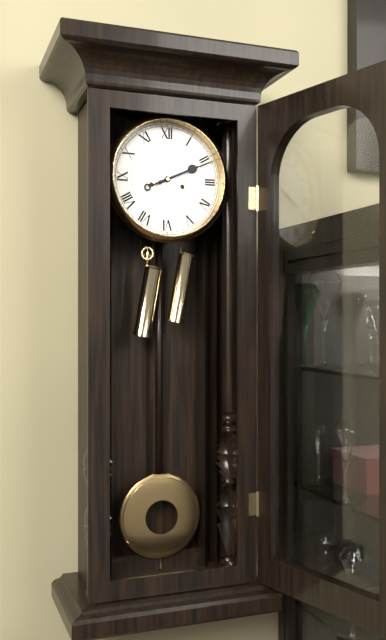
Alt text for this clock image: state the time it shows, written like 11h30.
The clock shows 2h11
